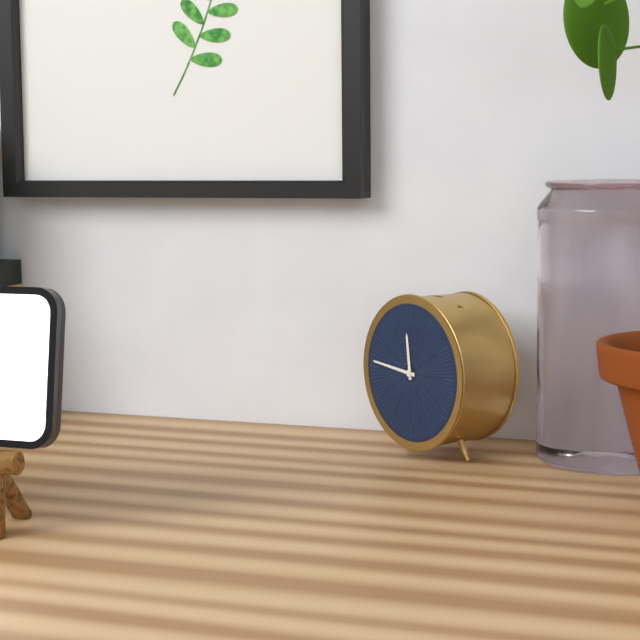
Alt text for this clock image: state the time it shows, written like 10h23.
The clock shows 11h46
